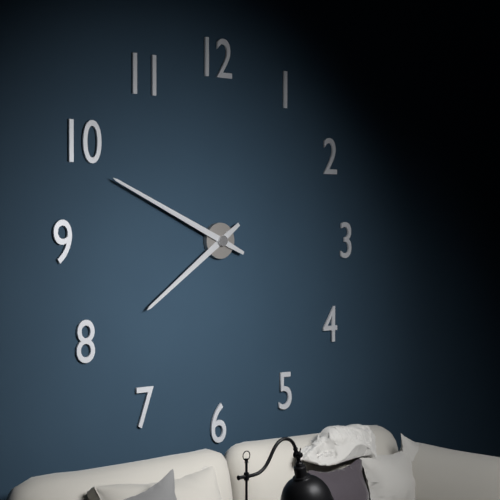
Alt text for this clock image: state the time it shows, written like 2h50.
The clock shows 7h49
